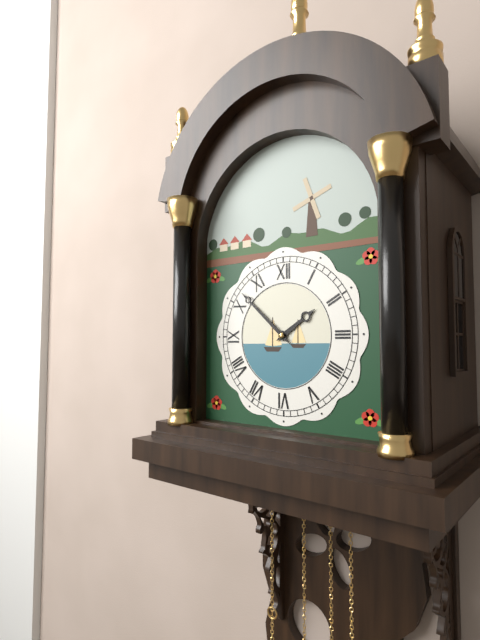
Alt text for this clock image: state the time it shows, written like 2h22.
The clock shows 1h52
